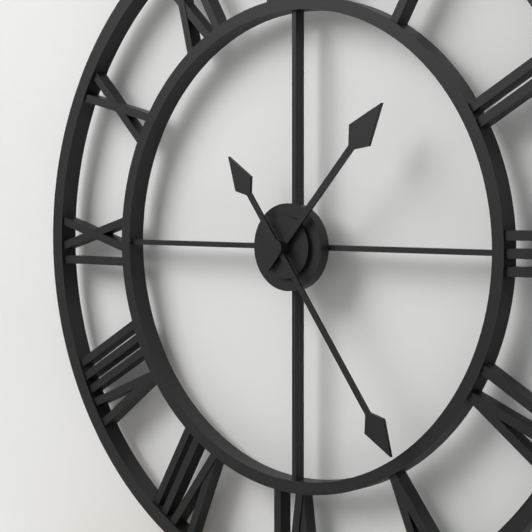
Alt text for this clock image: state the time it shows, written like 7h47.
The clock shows 1h24
